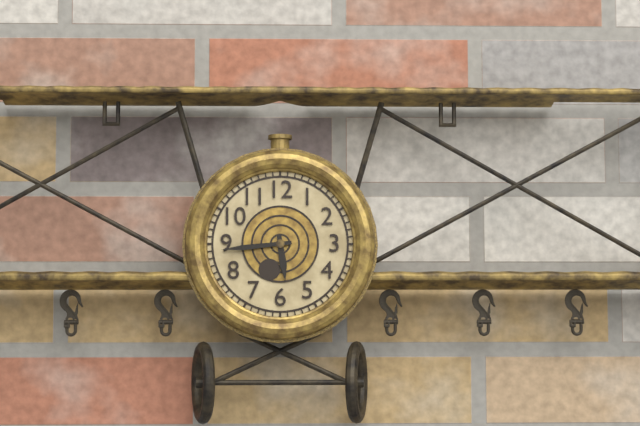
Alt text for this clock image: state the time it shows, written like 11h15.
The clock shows 5h44
